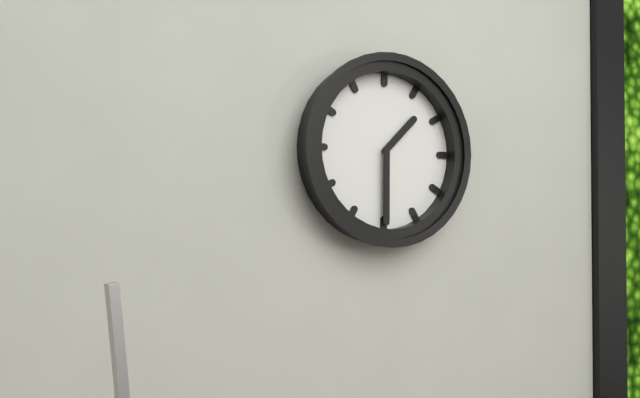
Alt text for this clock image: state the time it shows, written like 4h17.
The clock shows 1h30
